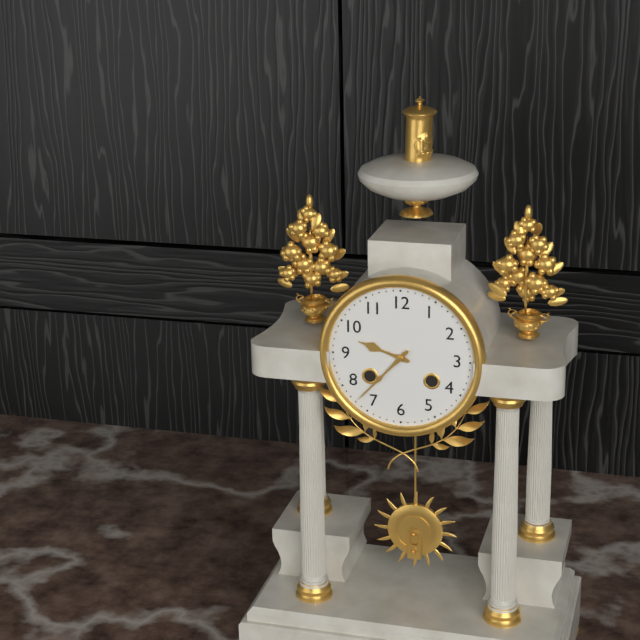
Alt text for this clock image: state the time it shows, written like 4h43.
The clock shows 9h37
